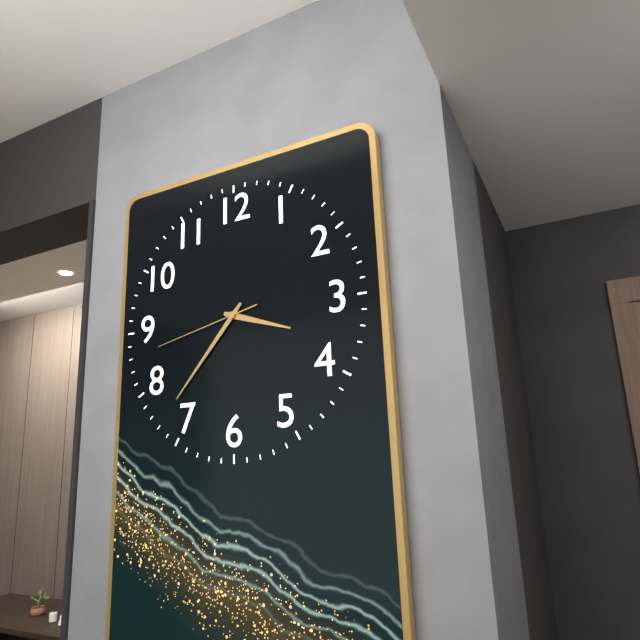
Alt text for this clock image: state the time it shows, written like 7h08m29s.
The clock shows 3h37m43s
